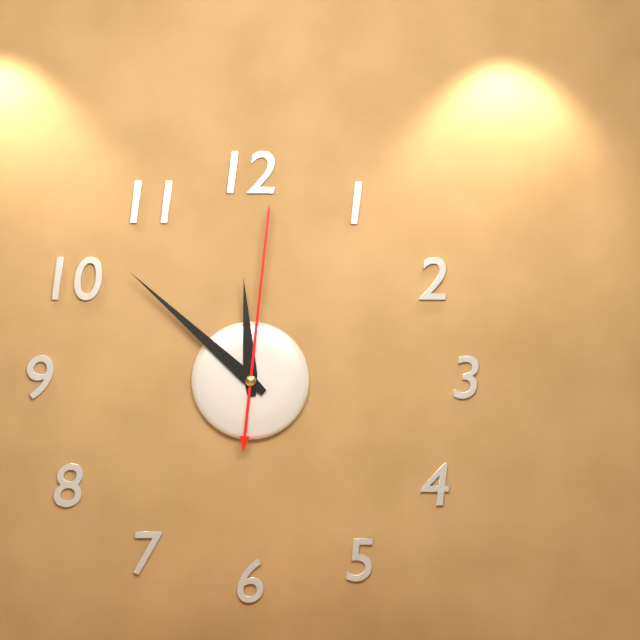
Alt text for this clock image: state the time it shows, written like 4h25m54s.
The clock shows 11h52m01s
